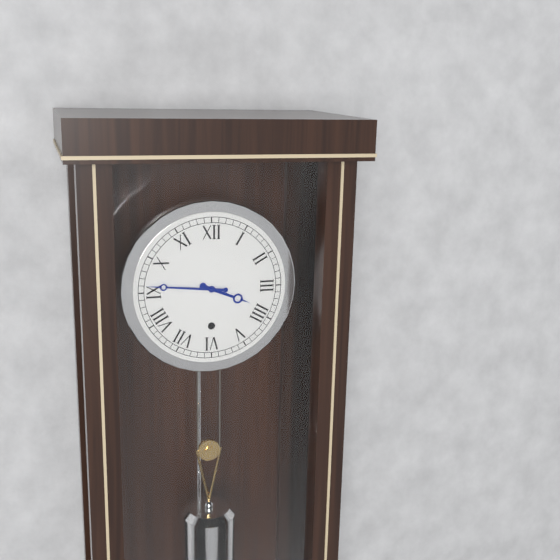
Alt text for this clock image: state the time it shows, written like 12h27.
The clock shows 3h46
